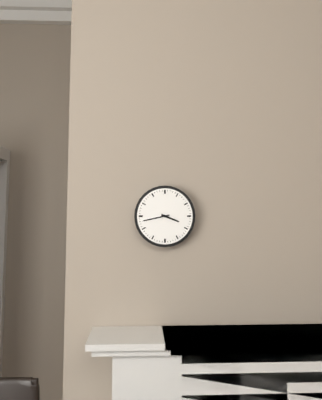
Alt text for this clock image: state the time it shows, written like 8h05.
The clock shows 3h43
